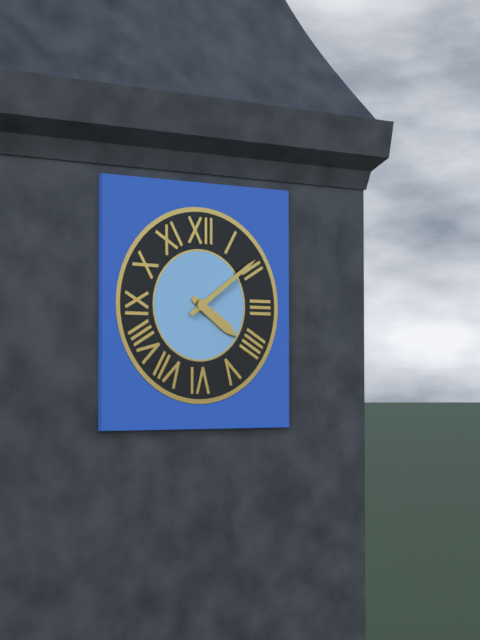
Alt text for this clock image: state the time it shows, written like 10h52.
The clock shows 4h09
